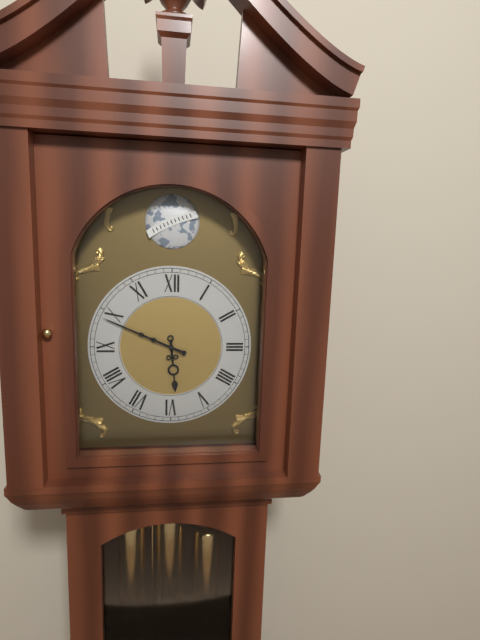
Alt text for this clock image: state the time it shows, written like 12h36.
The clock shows 5h49
